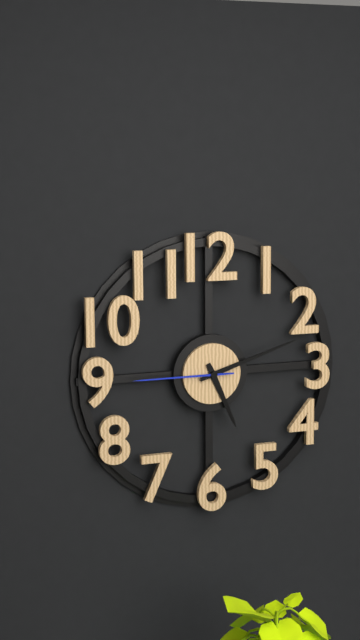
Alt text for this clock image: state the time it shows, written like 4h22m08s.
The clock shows 5h12m45s
